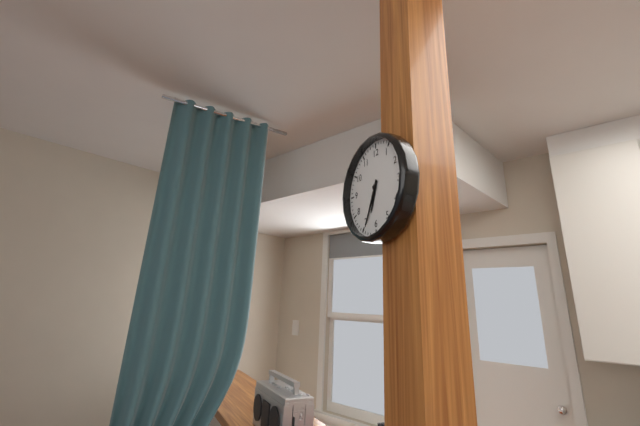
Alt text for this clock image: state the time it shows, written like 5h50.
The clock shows 6h34
